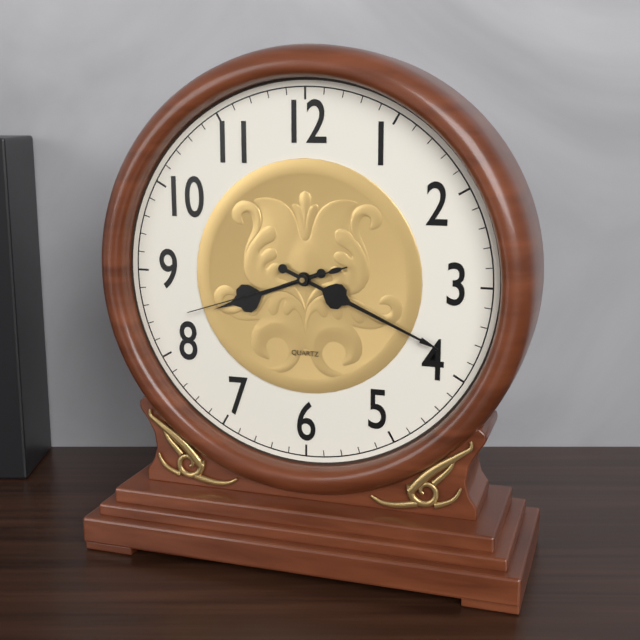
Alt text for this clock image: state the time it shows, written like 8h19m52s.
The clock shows 8h19m42s
